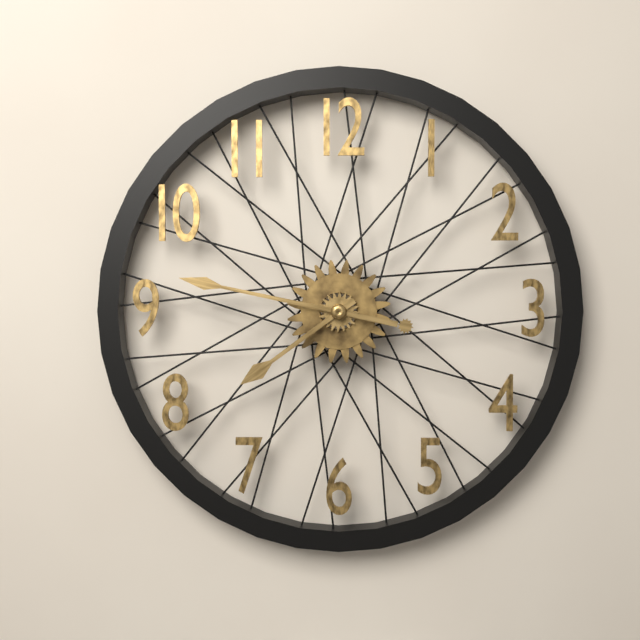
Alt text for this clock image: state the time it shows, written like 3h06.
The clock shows 7h47
